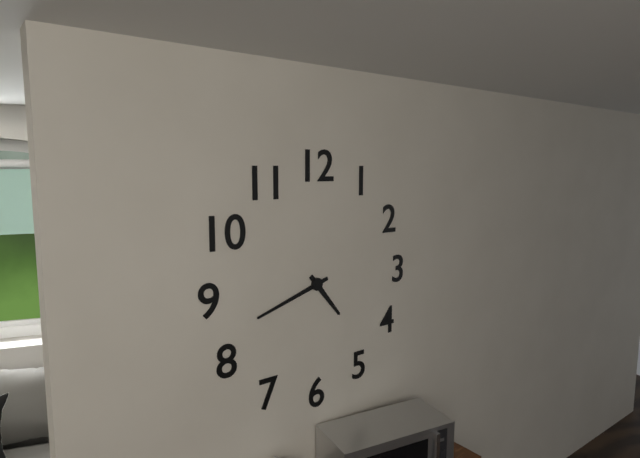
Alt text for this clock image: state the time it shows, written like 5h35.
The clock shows 4h42
